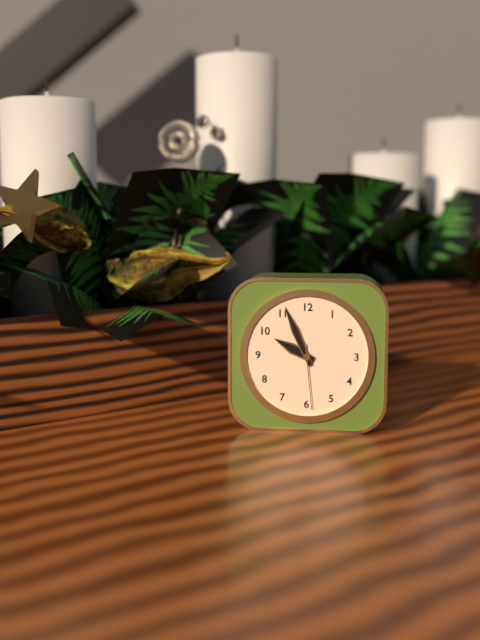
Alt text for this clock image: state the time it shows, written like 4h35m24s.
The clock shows 9h56m29s
